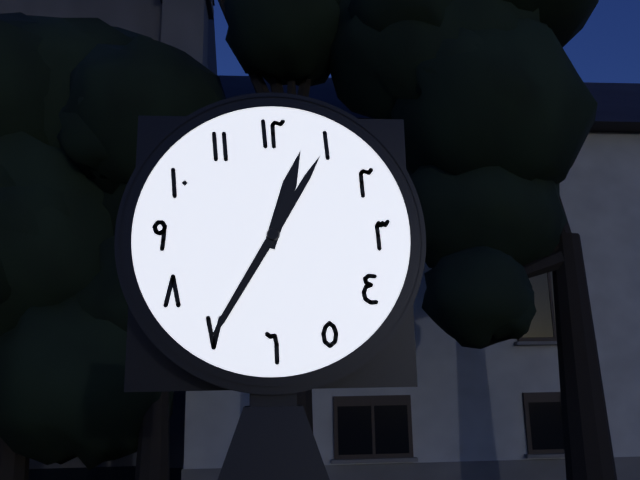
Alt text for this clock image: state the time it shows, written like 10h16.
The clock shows 12h35
